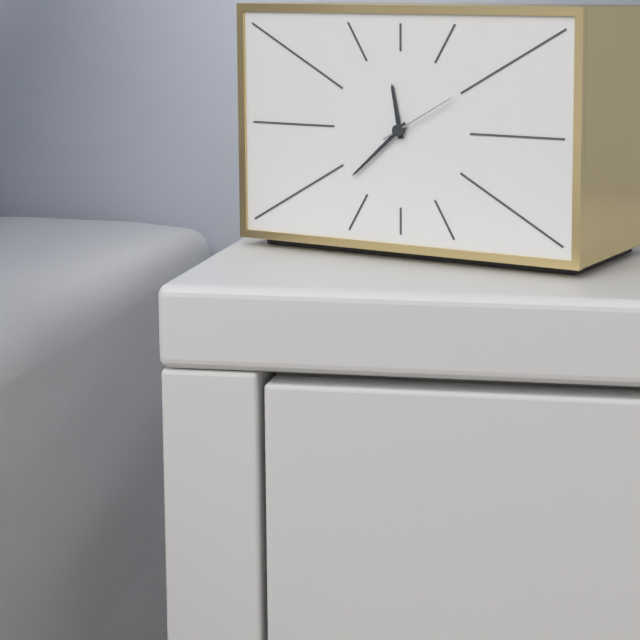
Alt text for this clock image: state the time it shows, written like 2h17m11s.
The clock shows 11h38m10s
